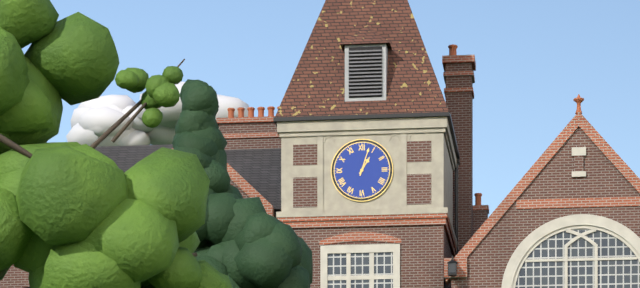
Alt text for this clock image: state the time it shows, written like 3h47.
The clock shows 1h03
